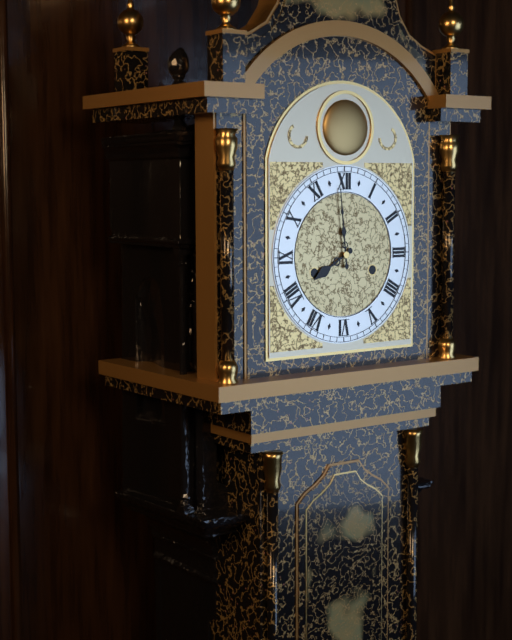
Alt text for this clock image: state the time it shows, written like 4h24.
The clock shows 7h59
